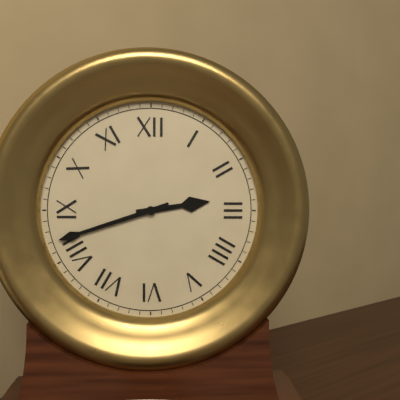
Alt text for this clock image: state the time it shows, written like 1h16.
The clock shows 2h42
